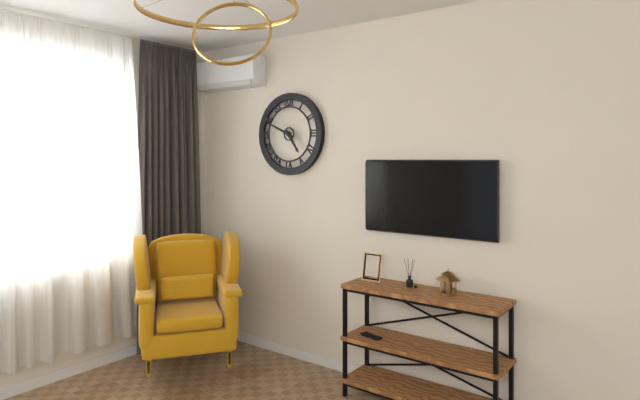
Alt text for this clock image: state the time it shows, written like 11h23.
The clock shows 4h49
